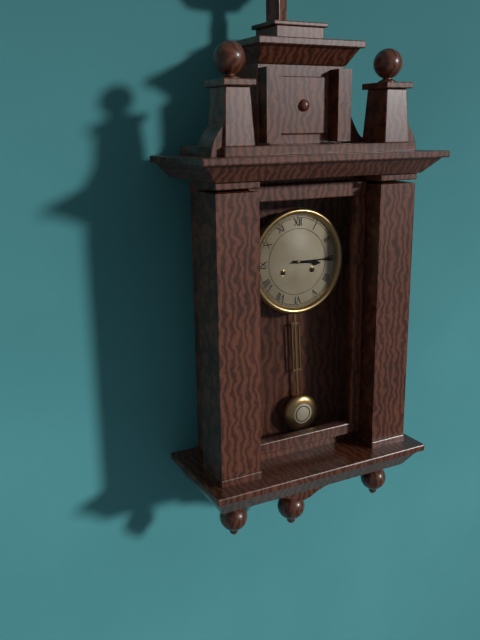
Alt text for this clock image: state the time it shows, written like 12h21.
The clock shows 3h15
